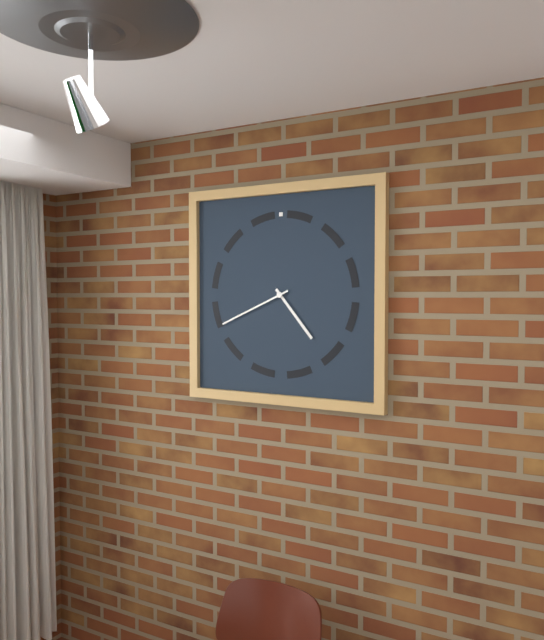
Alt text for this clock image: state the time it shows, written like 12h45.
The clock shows 4h41
